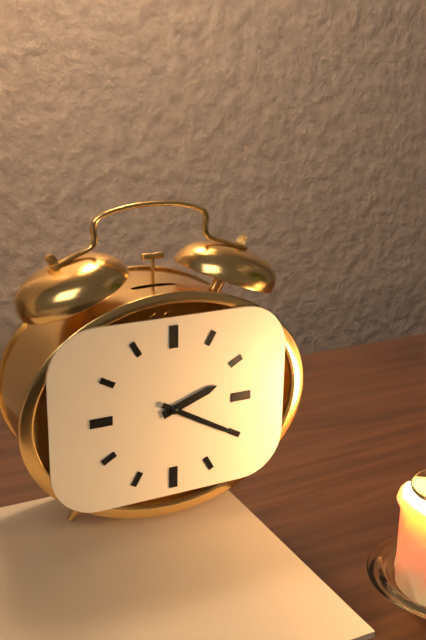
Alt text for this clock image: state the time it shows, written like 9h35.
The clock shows 2h20
